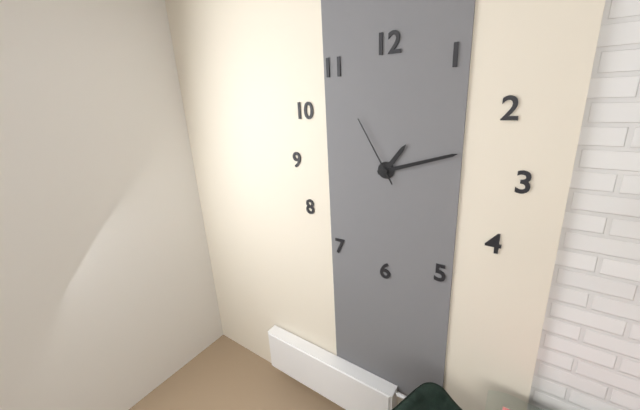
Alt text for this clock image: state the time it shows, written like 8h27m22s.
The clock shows 1h12m55s
